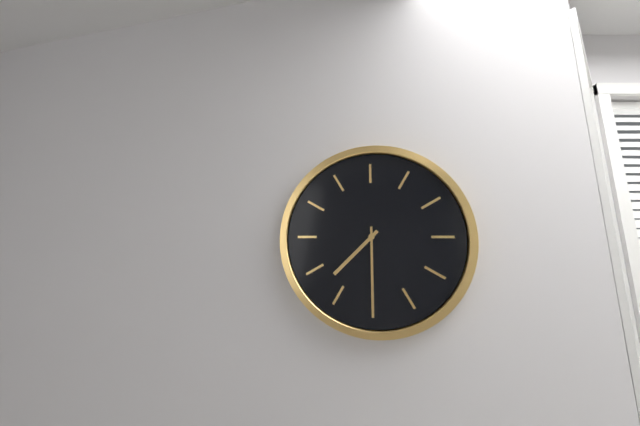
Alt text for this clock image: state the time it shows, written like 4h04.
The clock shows 7h30
